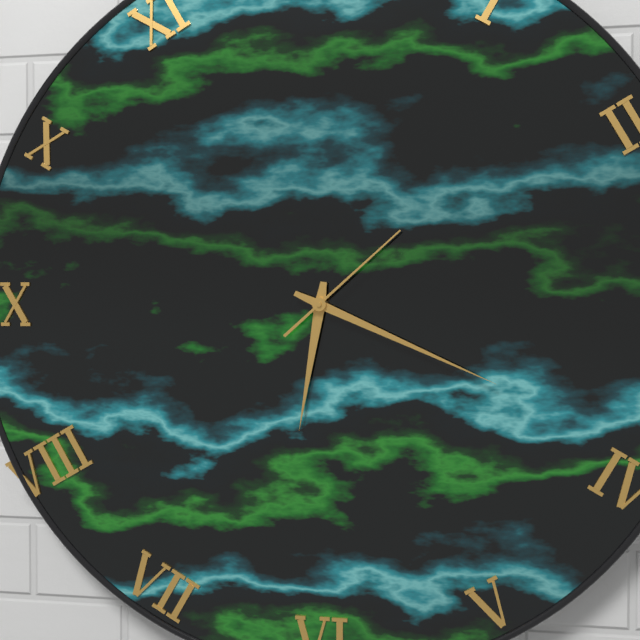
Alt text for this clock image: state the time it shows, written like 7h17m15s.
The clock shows 6h19m08s
